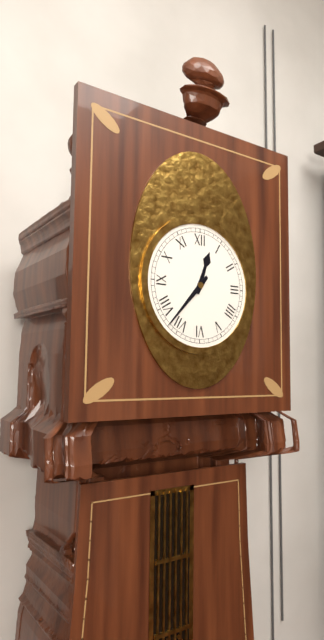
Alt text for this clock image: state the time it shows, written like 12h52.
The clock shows 12h37
